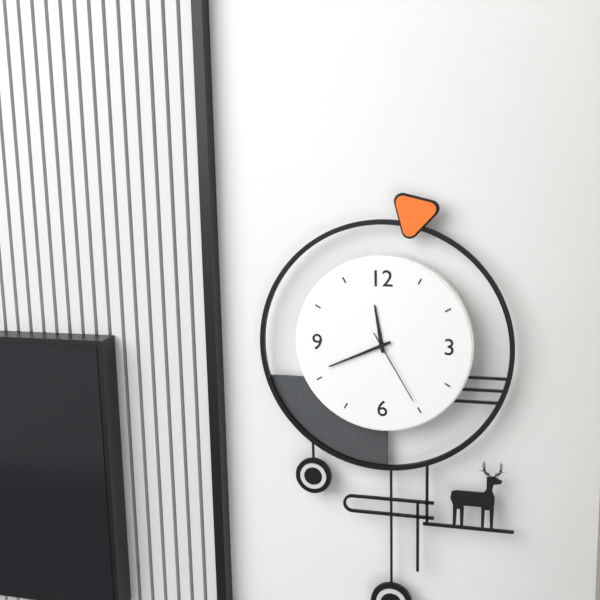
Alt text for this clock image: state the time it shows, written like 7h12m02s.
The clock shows 11h41m25s
